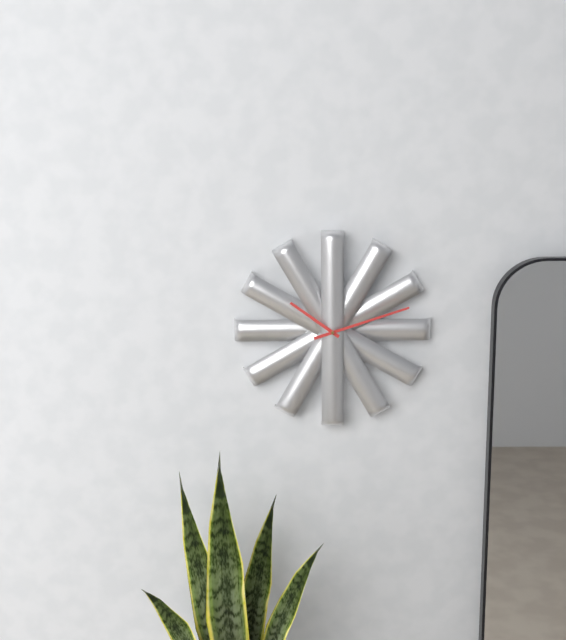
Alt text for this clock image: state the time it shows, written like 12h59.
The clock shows 10h12
